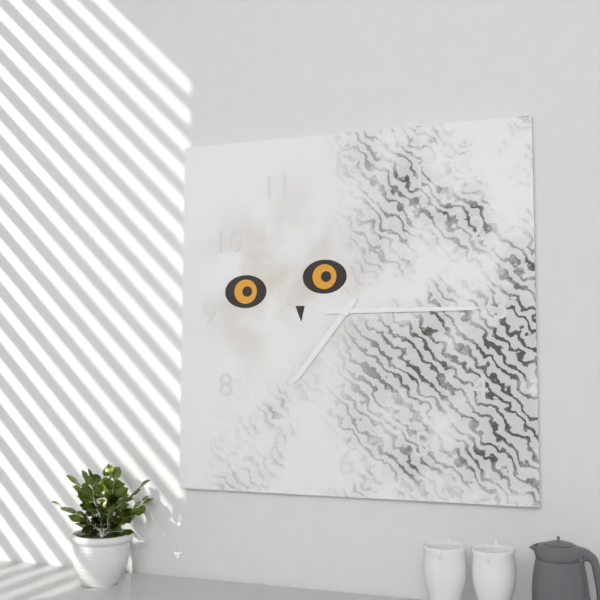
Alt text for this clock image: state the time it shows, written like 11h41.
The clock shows 7h15
